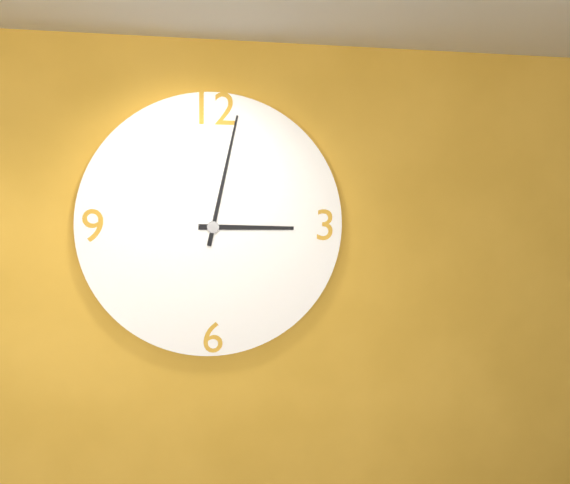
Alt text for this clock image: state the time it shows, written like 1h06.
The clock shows 3h02
